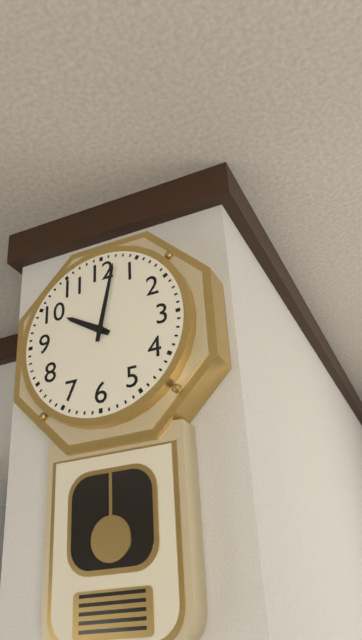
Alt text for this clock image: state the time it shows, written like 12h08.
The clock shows 10h02
